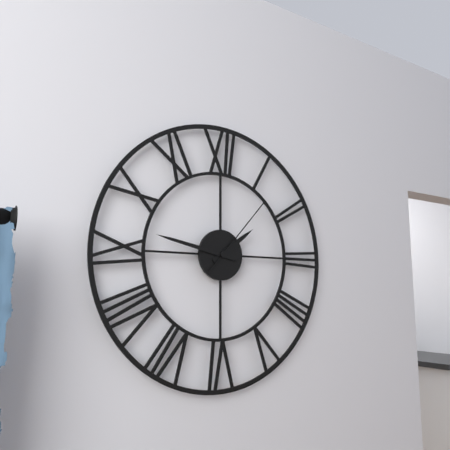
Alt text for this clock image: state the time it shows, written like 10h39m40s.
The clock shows 1h47m07s
